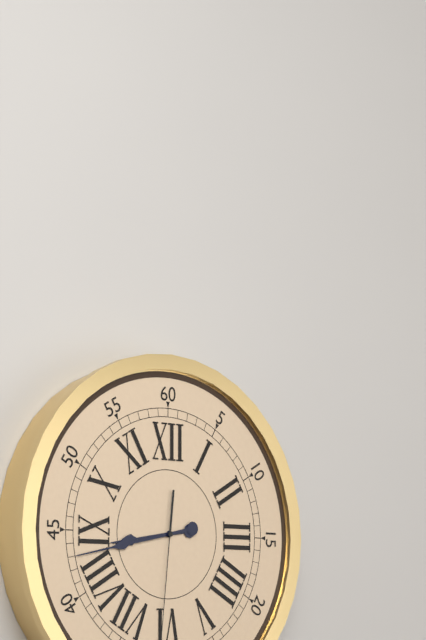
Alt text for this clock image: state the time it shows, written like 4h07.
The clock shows 8h43
